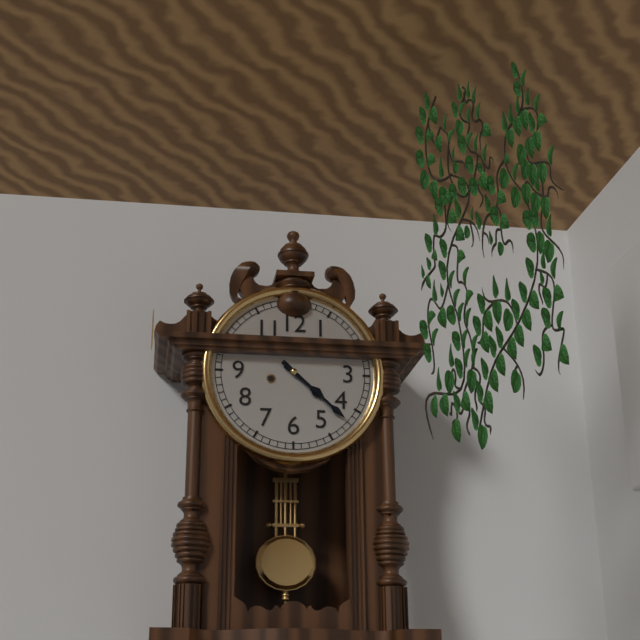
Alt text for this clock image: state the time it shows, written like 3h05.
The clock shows 4h22
